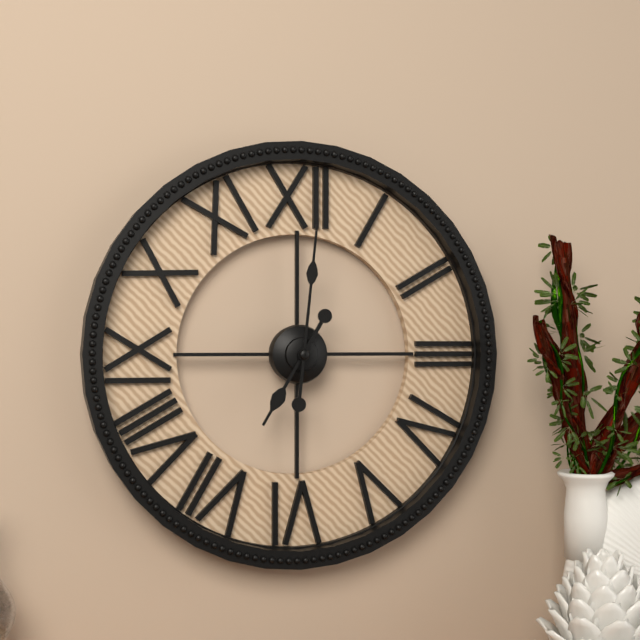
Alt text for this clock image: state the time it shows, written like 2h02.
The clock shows 7h01
